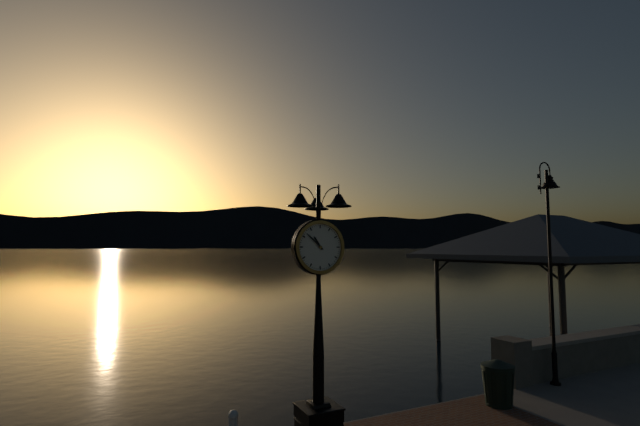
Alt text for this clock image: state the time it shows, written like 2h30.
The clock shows 10h52
